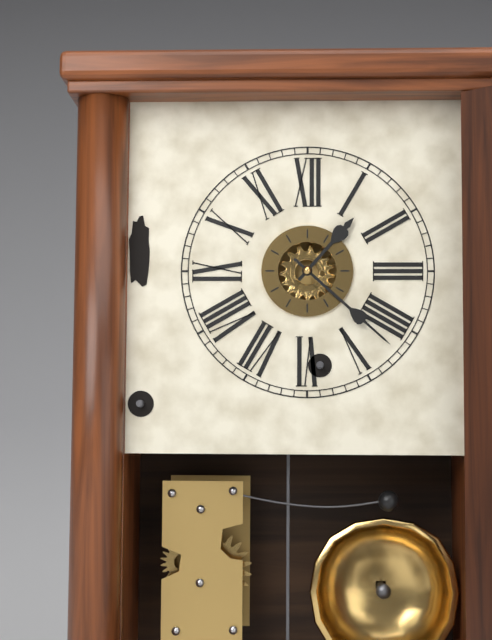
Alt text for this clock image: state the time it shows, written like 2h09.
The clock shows 1h22
